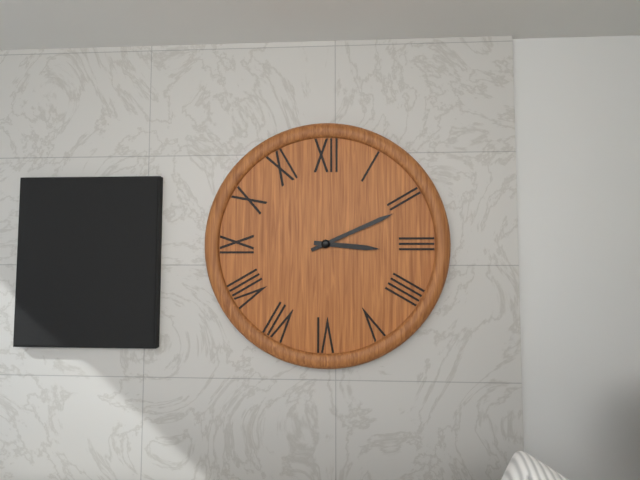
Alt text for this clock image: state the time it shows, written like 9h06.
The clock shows 3h11
